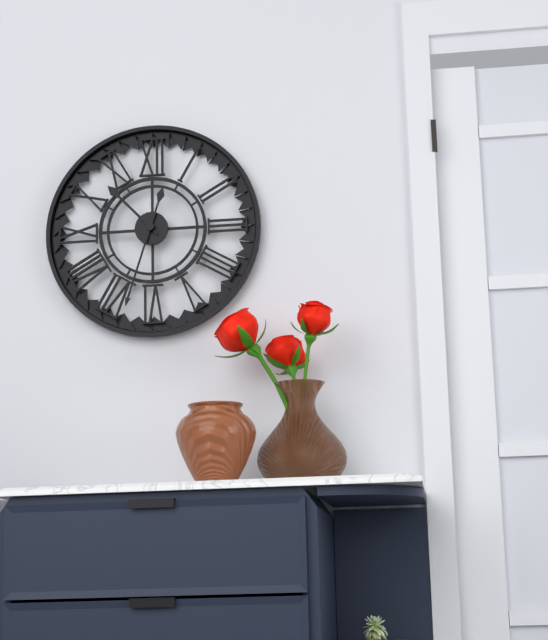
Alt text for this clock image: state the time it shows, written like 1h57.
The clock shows 10h33
